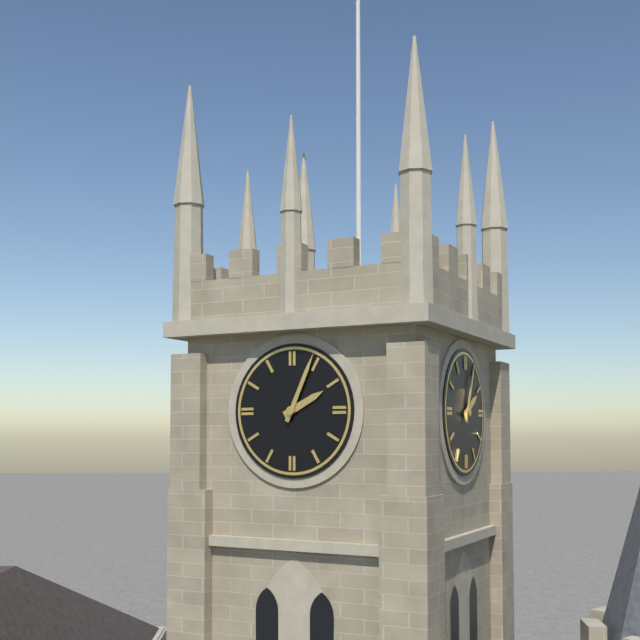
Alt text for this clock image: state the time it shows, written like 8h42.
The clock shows 2h04
